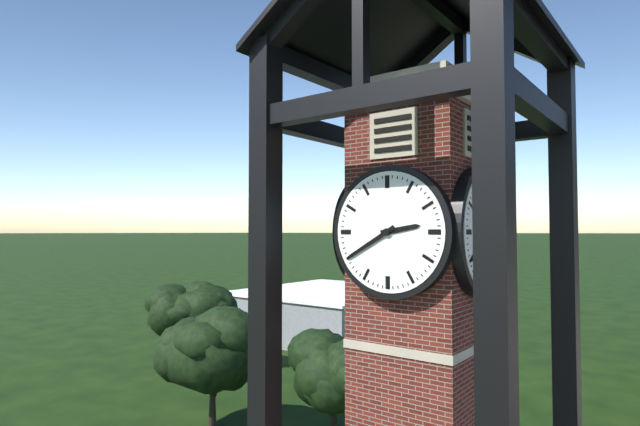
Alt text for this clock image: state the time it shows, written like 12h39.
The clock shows 2h40
